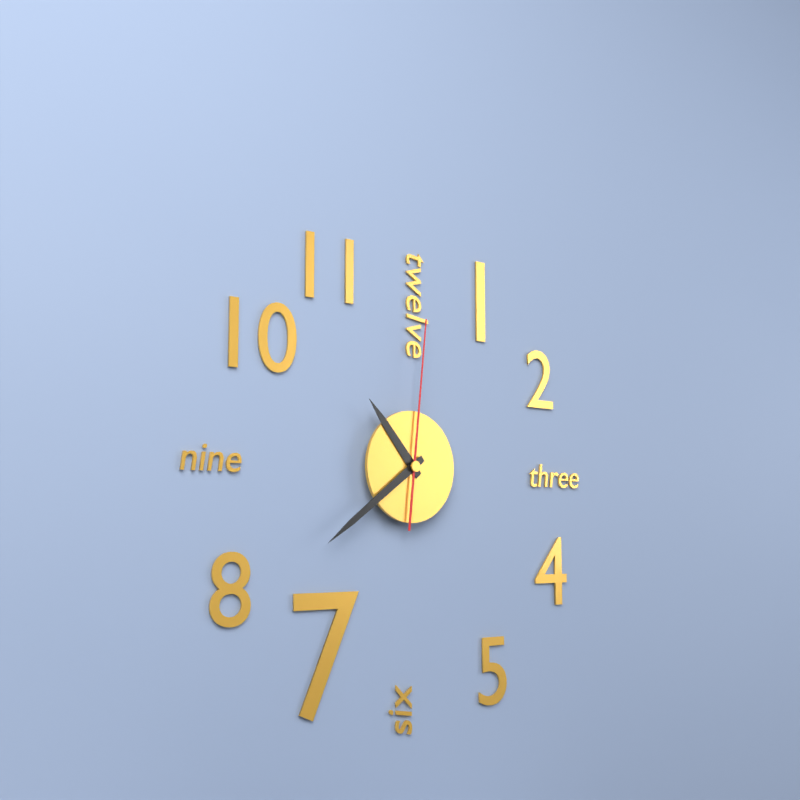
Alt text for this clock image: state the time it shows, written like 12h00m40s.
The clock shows 10h39m01s
